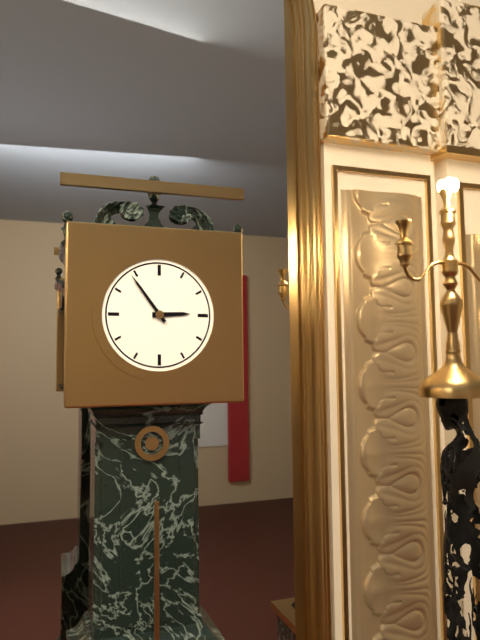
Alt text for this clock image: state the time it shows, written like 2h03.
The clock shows 2h54
